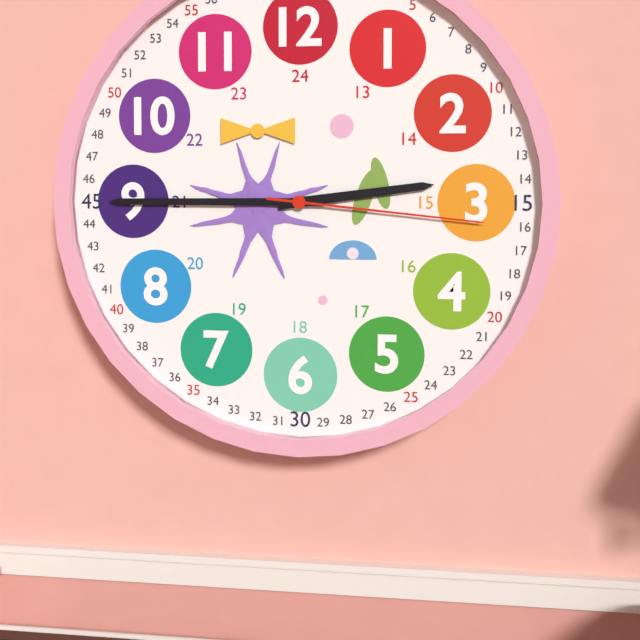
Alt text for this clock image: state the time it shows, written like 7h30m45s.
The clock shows 2h45m16s
